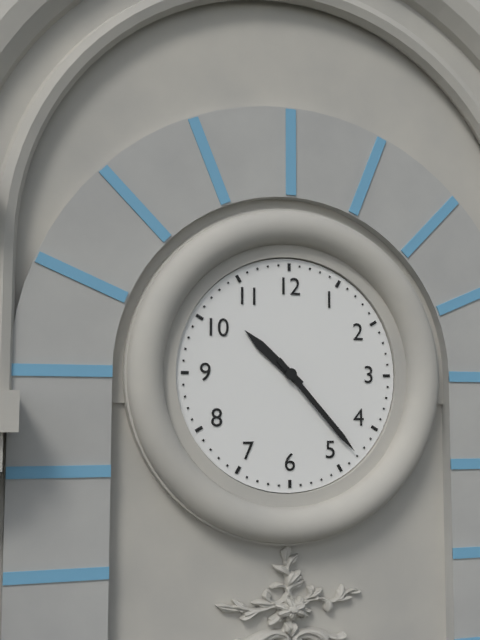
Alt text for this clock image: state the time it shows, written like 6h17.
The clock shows 10h23
